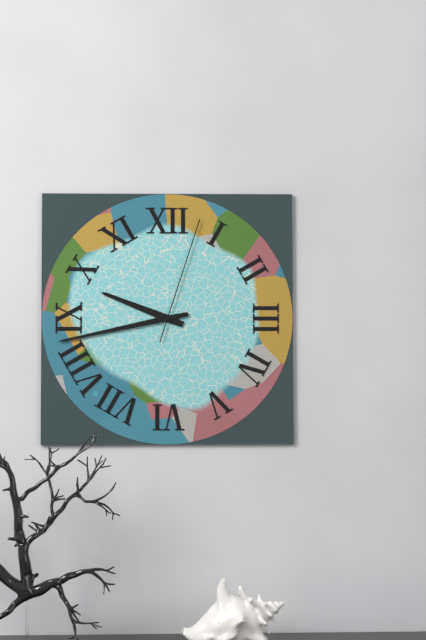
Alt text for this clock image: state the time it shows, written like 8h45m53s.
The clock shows 9h43m03s
